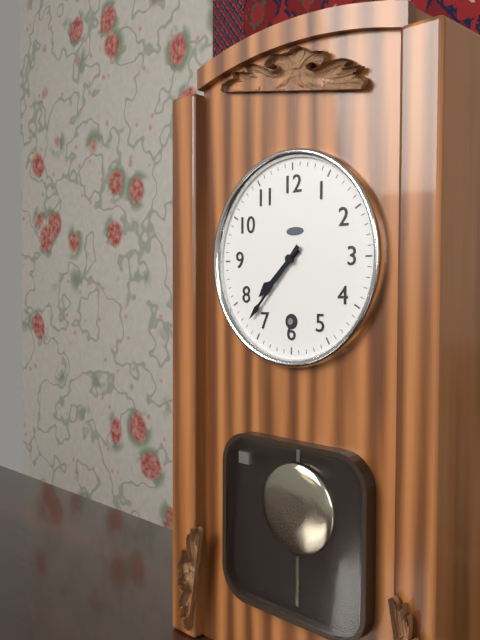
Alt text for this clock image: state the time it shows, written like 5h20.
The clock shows 7h37
